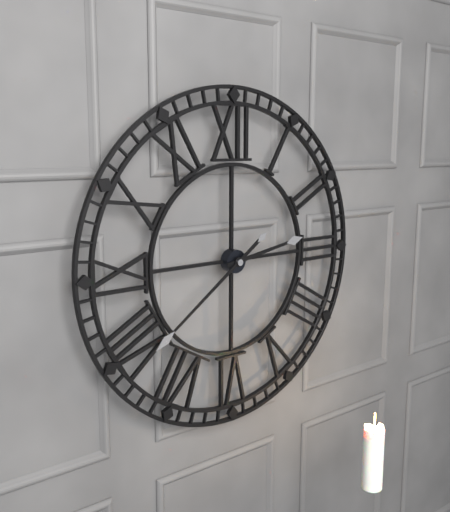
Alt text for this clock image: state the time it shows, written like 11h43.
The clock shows 2h39
